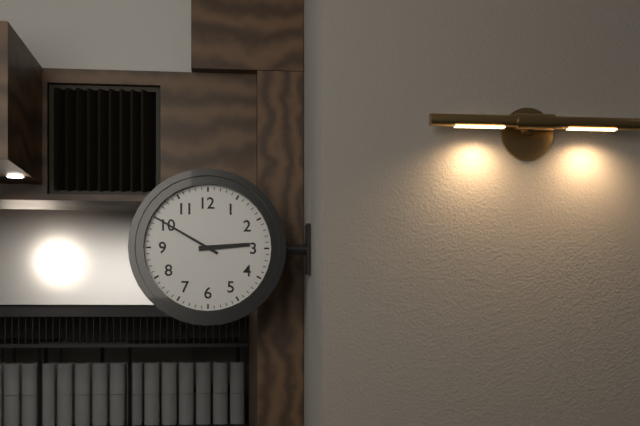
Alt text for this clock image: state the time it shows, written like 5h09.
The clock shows 2h50
